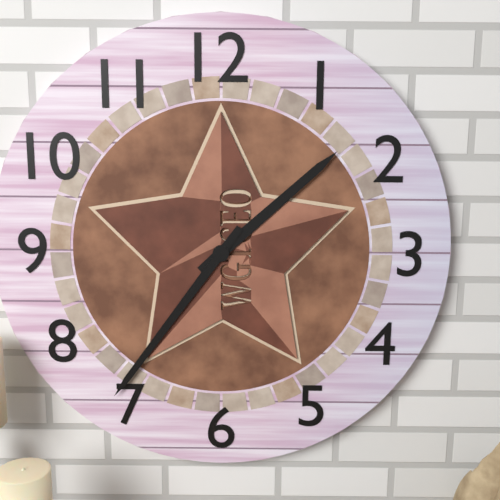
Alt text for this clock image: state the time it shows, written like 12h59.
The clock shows 1h36
